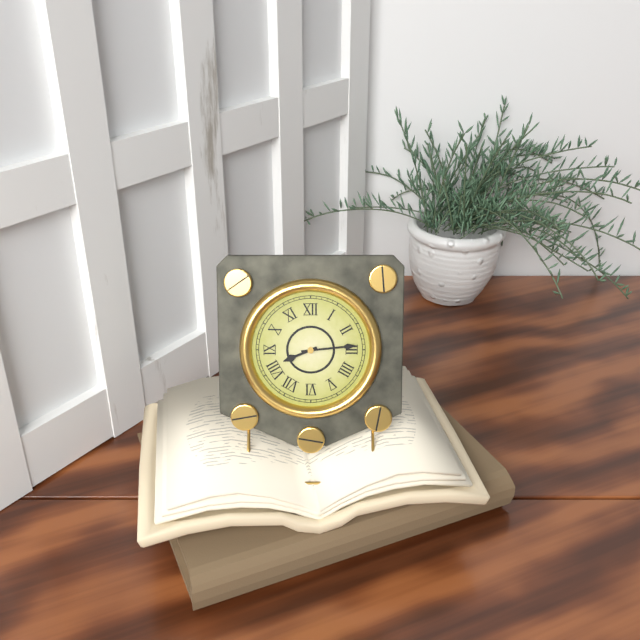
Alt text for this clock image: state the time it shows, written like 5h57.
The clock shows 8h14
